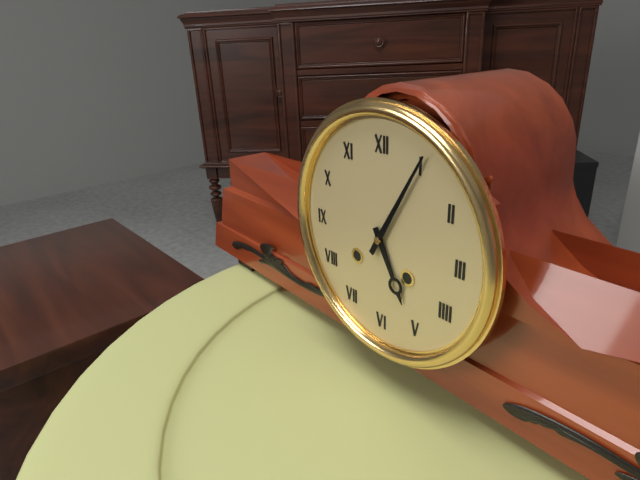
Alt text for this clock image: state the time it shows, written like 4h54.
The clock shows 5h05
